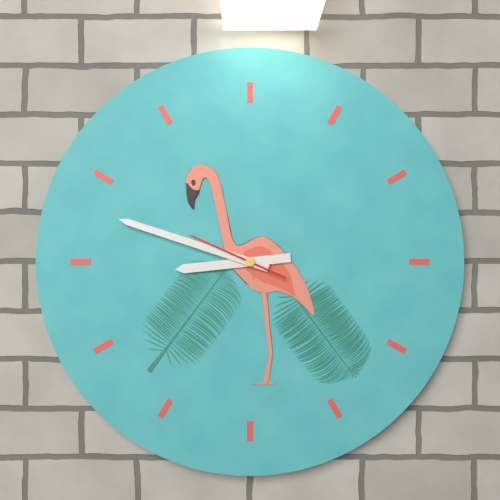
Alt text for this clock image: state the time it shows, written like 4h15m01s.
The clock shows 8h48m49s
